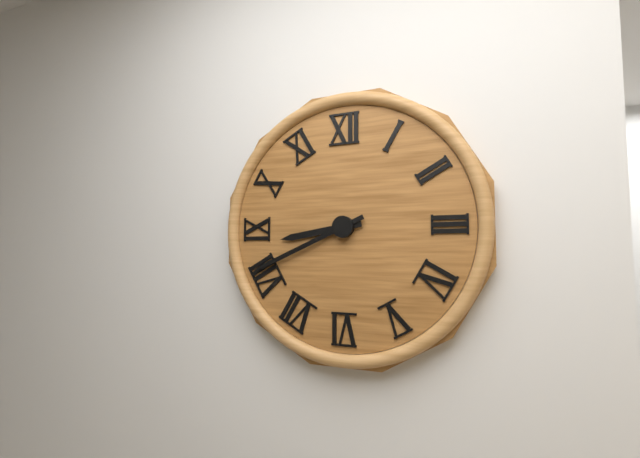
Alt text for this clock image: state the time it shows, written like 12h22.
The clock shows 8h41
